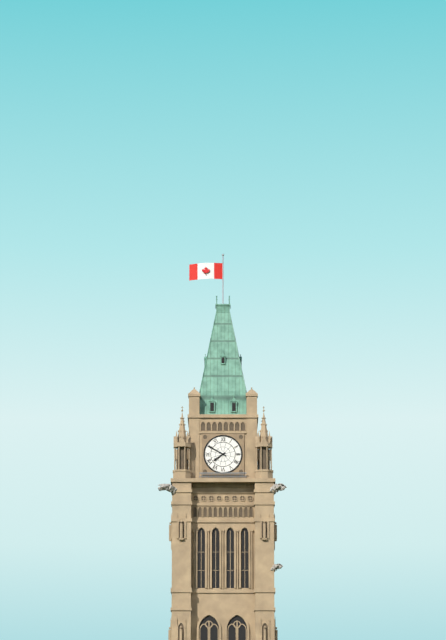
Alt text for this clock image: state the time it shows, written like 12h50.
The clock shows 7h50
